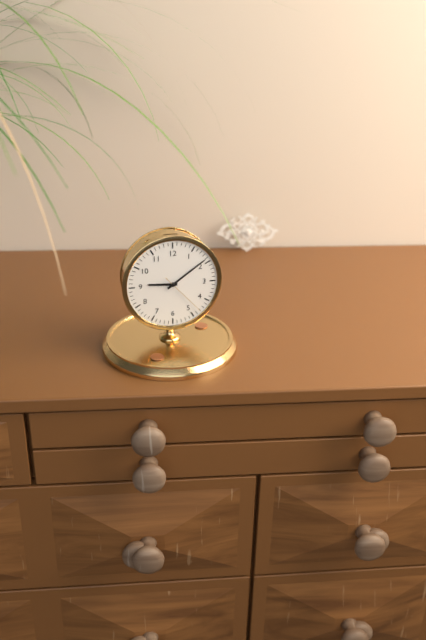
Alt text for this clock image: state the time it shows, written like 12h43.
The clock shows 9h09
